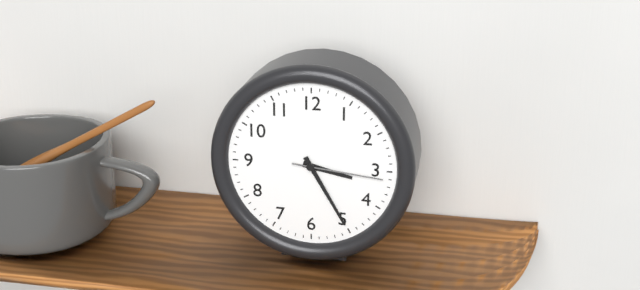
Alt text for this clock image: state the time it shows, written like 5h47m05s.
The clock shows 3h25m16s
